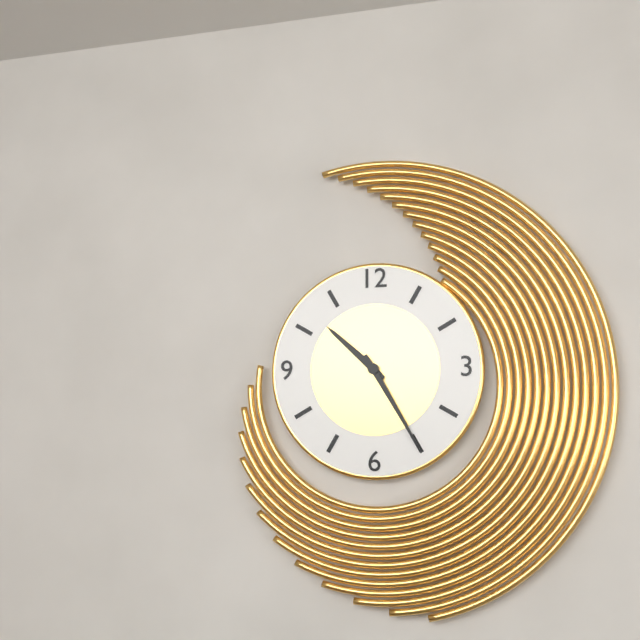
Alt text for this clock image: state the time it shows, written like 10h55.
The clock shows 10h25
